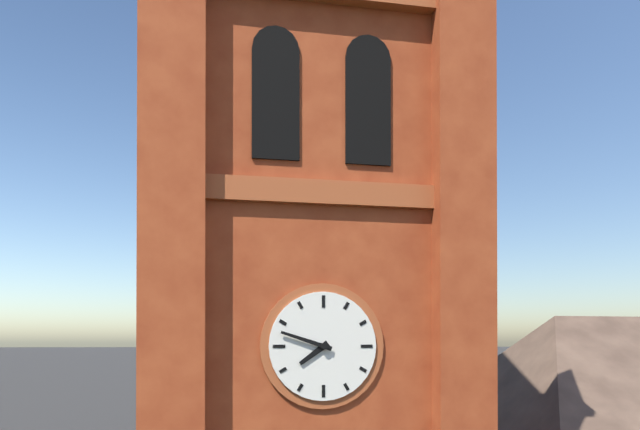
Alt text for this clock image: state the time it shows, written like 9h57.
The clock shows 7h48
